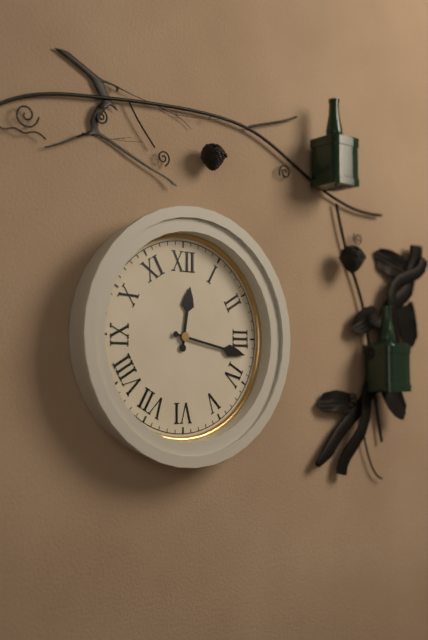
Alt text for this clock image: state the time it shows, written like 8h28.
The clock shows 12h17
